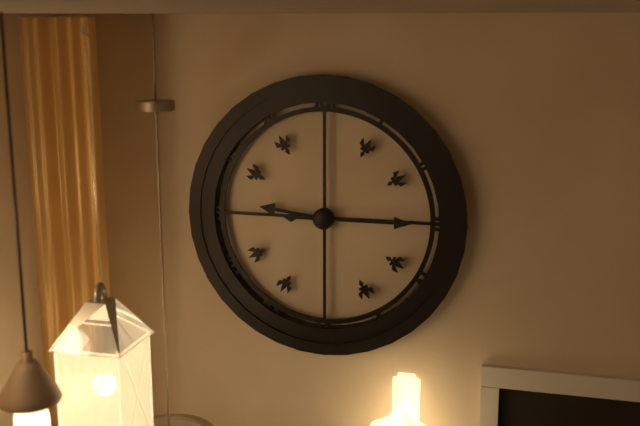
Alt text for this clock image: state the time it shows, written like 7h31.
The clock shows 9h15
